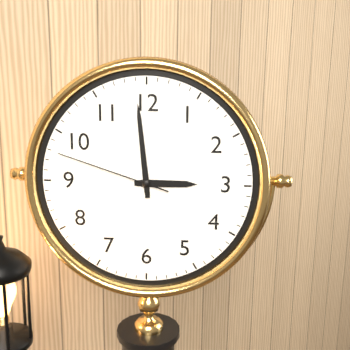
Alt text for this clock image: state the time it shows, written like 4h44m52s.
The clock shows 2h59m48s
